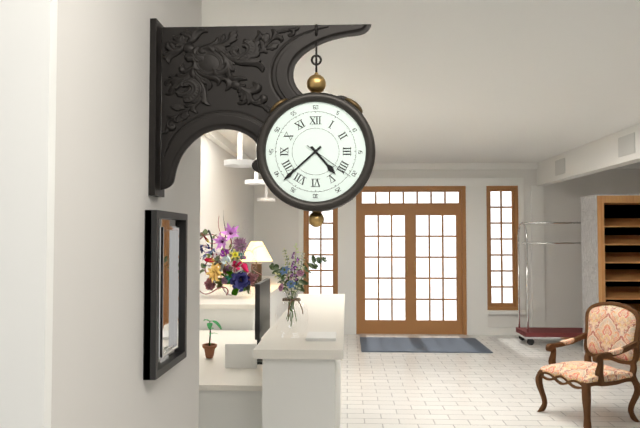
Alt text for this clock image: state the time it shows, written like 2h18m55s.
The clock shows 4h38m21s
